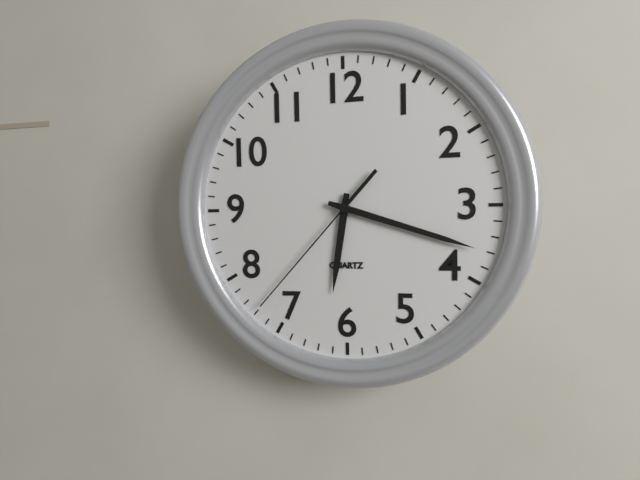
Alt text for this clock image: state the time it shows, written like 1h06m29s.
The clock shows 6h18m37s
